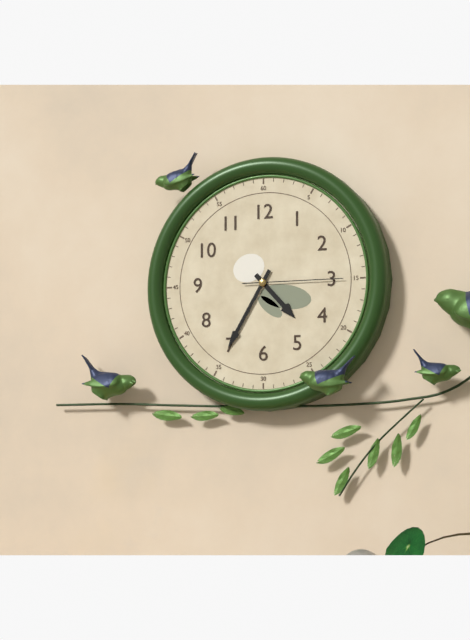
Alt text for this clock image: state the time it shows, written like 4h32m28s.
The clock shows 4h35m15s
